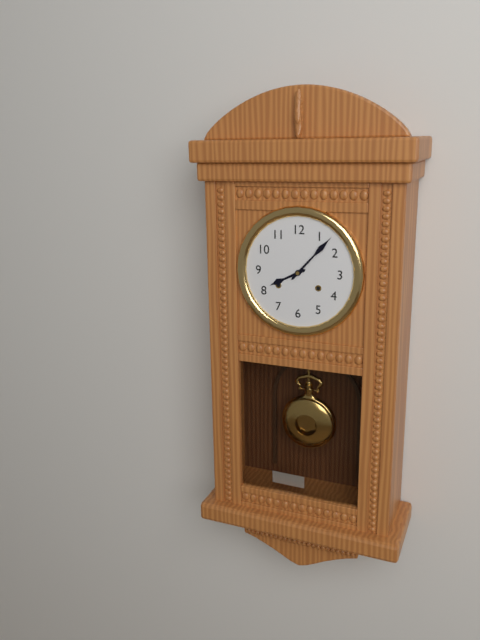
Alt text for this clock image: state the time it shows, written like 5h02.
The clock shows 8h07
